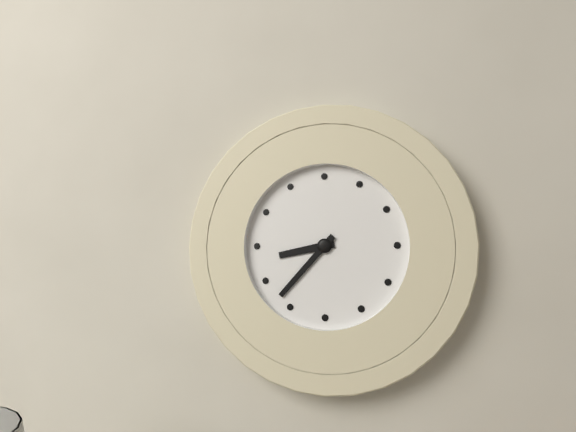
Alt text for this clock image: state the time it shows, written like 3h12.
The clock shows 8h37
